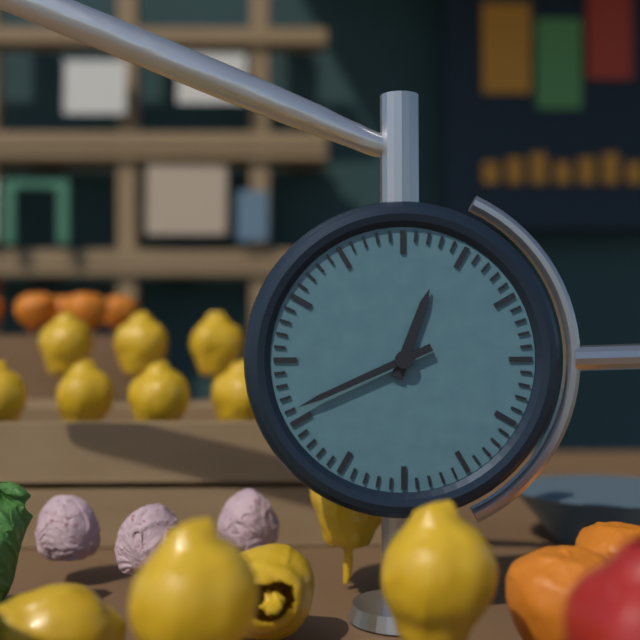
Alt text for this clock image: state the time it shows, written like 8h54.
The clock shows 12h41
